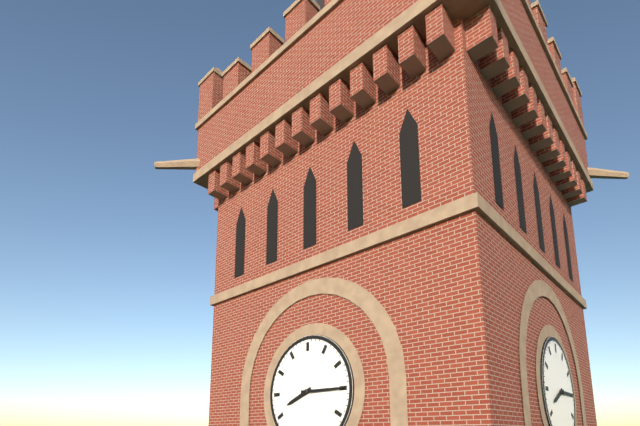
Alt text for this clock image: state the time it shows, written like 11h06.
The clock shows 8h15
